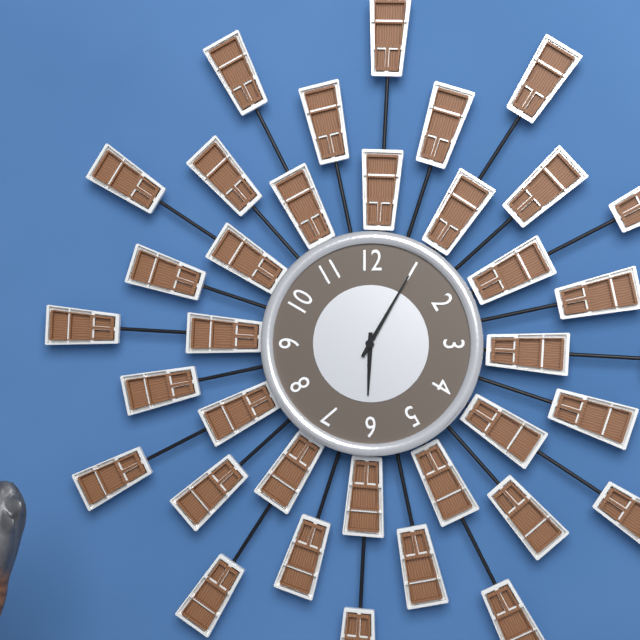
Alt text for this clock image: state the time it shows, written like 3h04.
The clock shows 6h05
